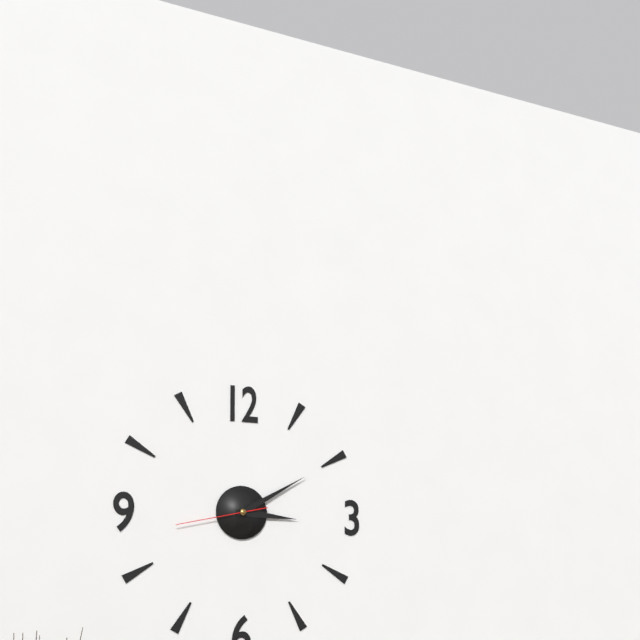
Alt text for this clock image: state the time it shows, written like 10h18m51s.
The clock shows 3h10m43s
